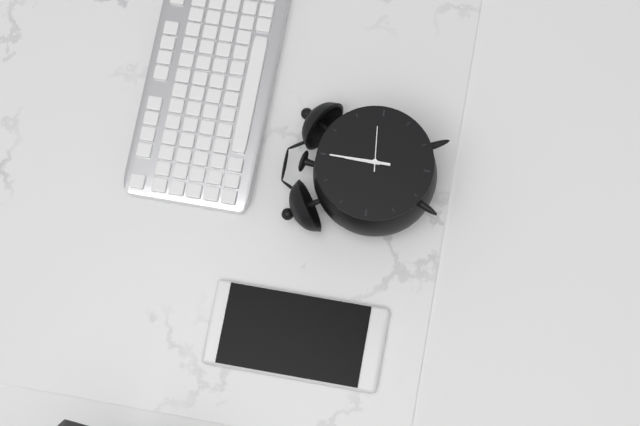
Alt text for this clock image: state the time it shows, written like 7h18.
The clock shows 12h00
